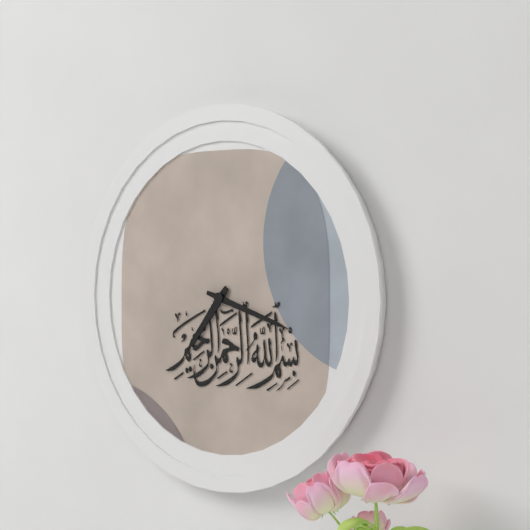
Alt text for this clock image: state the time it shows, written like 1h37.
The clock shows 7h18
